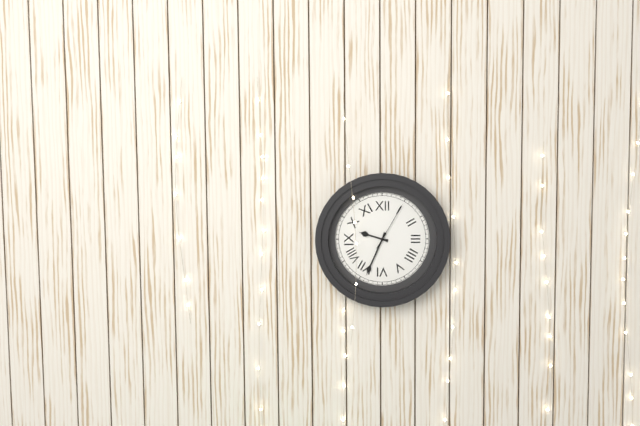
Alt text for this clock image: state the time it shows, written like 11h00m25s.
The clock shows 9h34m05s
